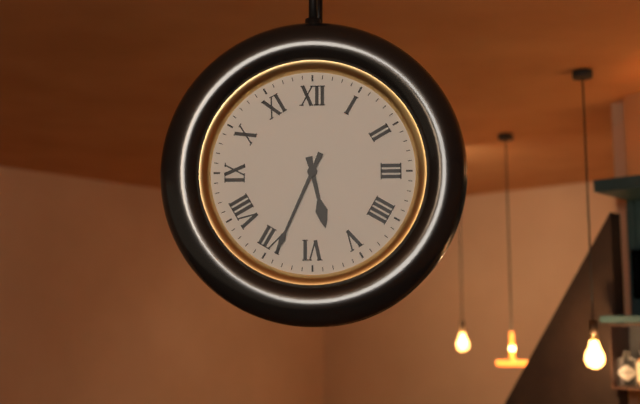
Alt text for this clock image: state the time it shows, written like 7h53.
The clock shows 5h34
